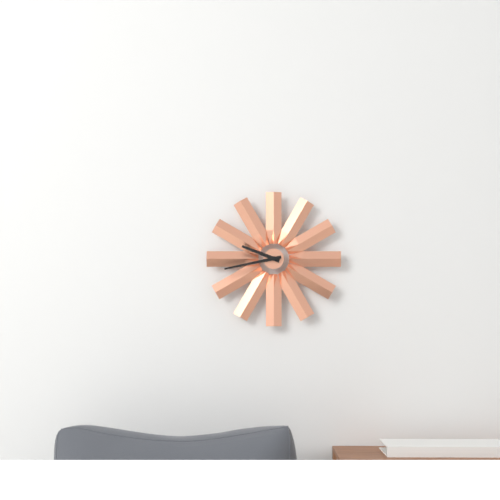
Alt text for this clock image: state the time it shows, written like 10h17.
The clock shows 9h43
